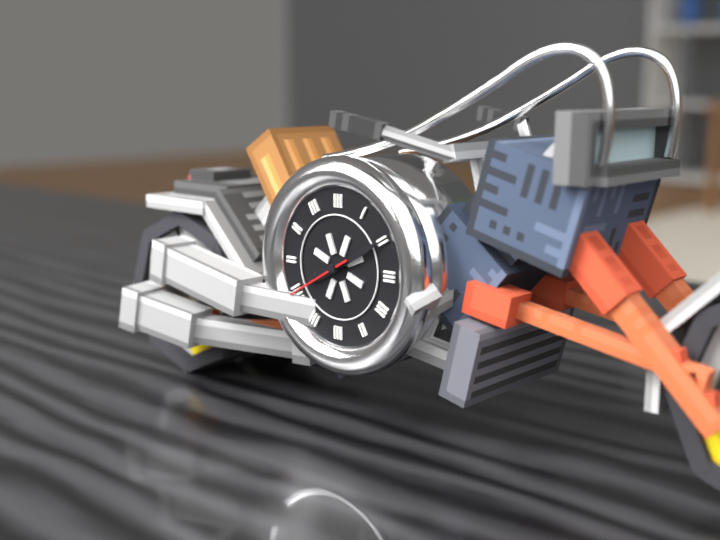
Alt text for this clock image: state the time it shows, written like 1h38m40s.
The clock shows 8h10m40s
